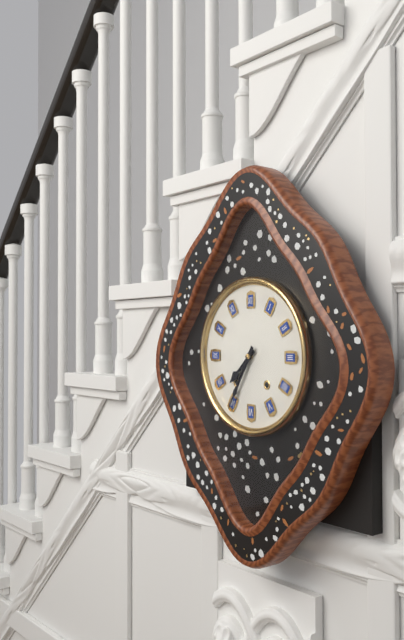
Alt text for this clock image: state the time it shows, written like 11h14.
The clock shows 7h35
